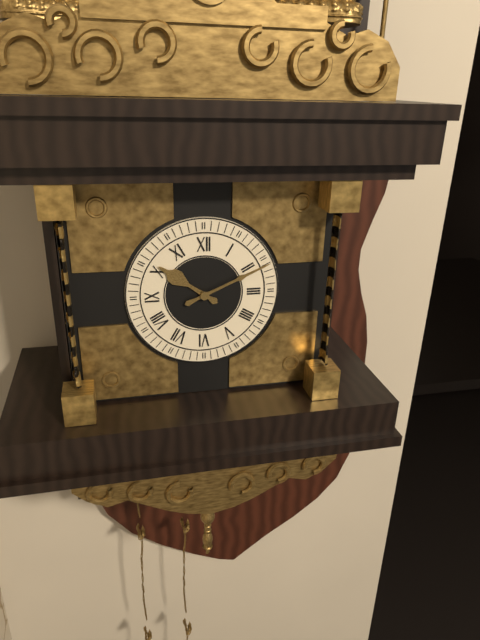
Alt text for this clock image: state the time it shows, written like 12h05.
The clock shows 10h11
